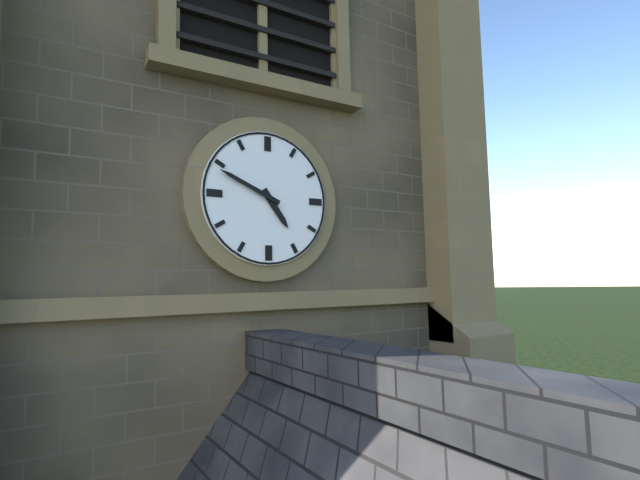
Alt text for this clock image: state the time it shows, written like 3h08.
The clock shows 4h49
